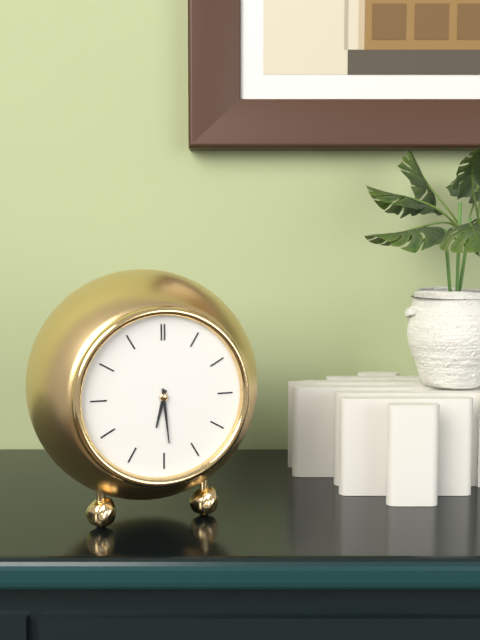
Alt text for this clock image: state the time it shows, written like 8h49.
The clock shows 6h29
